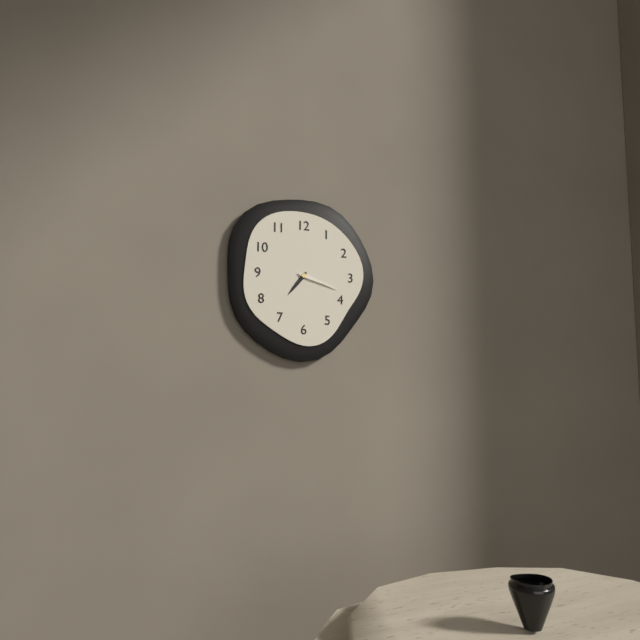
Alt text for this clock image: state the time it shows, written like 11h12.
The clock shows 7h18
